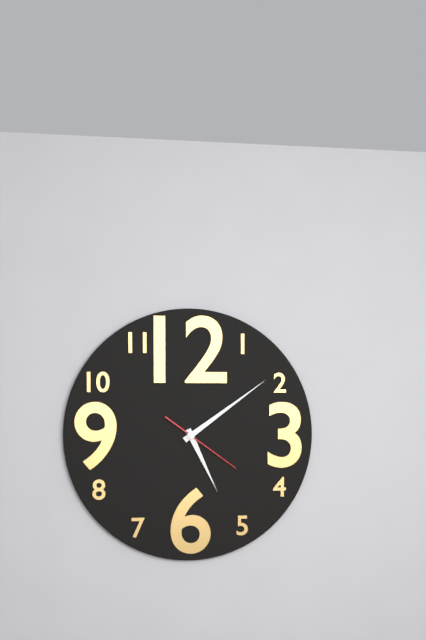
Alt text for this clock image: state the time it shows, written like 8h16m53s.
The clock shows 5h09m21s
